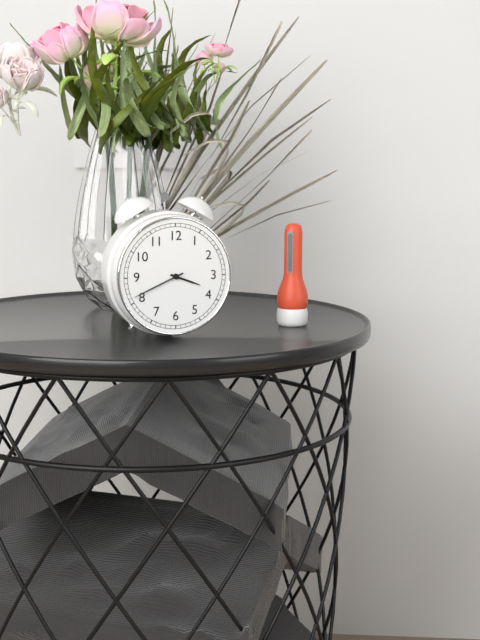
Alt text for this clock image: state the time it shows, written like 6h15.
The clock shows 3h41
